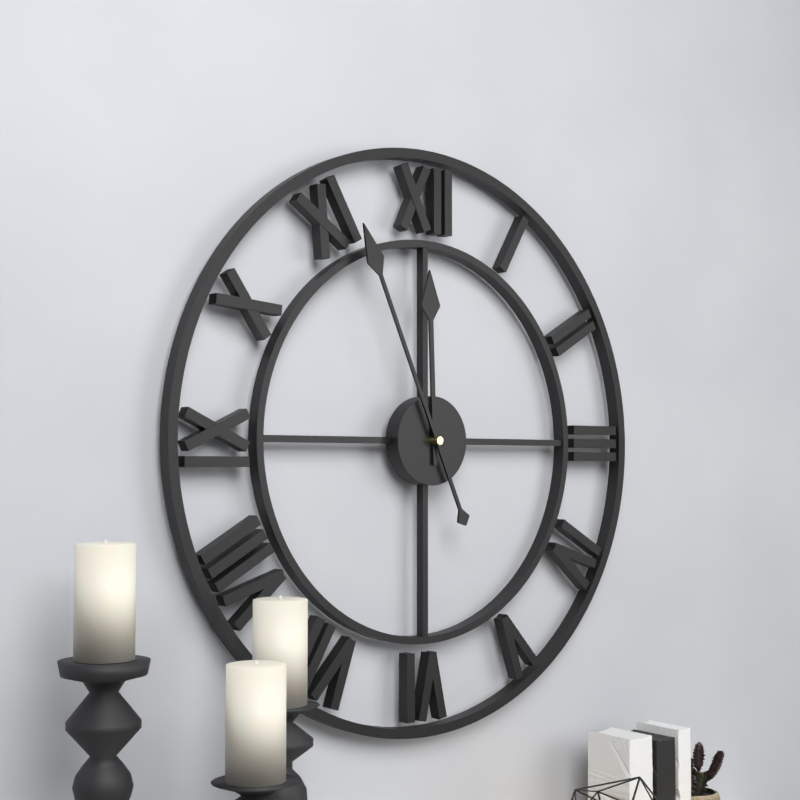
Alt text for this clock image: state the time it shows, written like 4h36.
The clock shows 11h56
